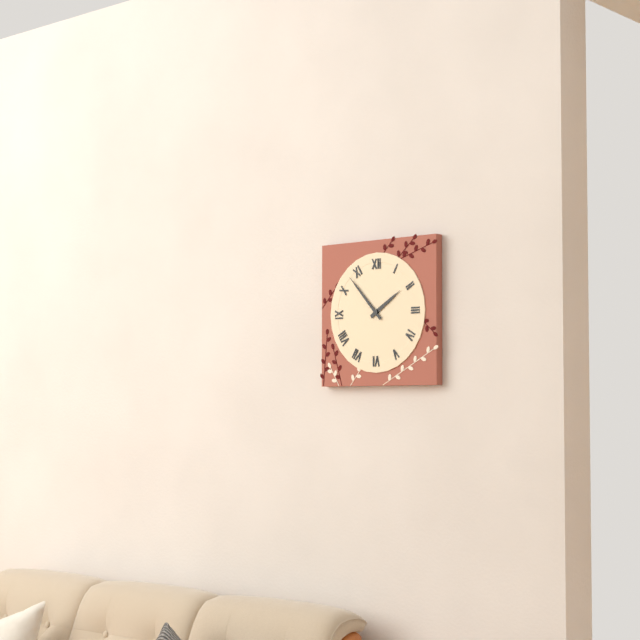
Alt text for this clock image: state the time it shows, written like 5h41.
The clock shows 1h53
